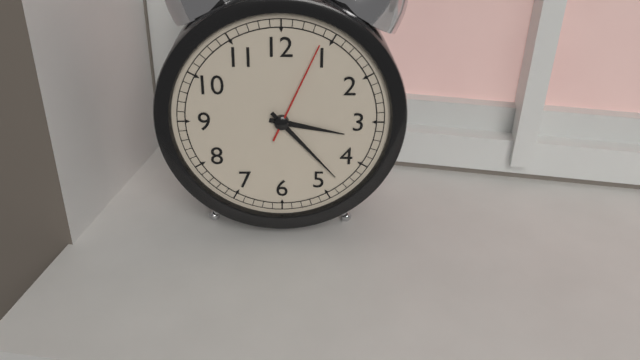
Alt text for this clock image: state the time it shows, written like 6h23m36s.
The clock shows 3h23m04s
